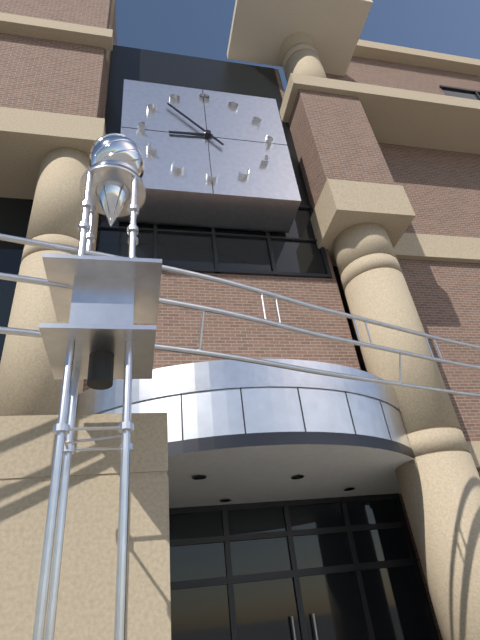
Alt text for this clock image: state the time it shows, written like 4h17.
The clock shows 8h53
